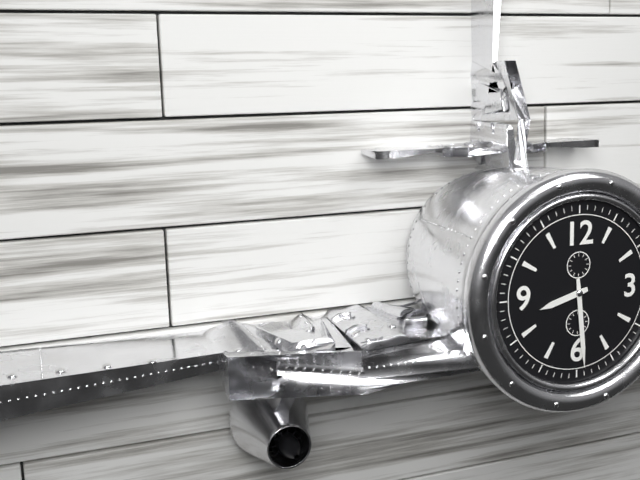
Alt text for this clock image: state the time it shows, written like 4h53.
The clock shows 8h29
